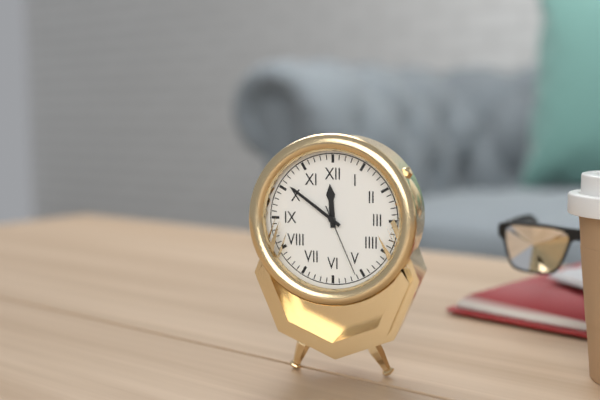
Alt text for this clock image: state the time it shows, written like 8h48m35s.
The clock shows 11h51m26s
